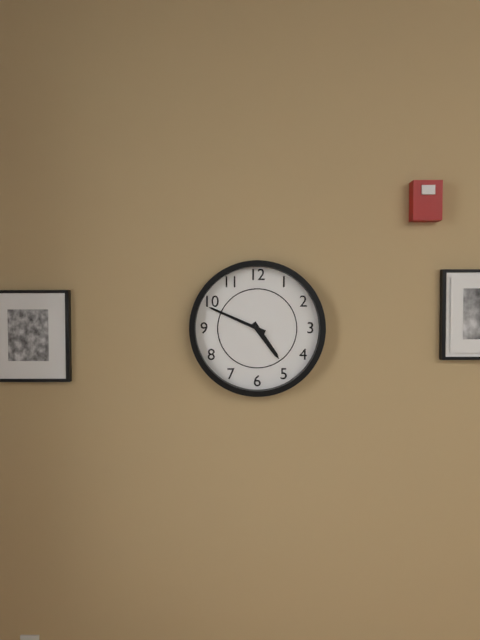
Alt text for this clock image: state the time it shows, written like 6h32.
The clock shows 4h49
